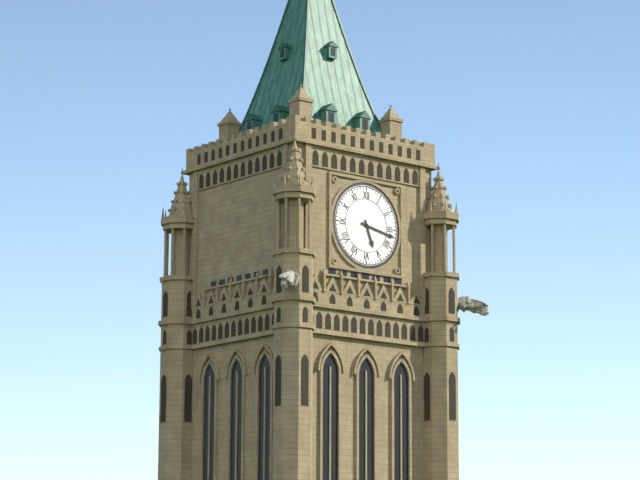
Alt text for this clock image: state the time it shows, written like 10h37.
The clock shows 5h17
